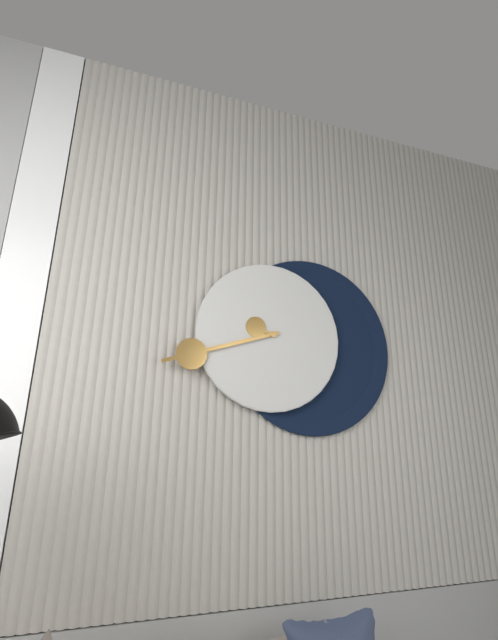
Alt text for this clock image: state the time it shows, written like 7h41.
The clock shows 9h42
